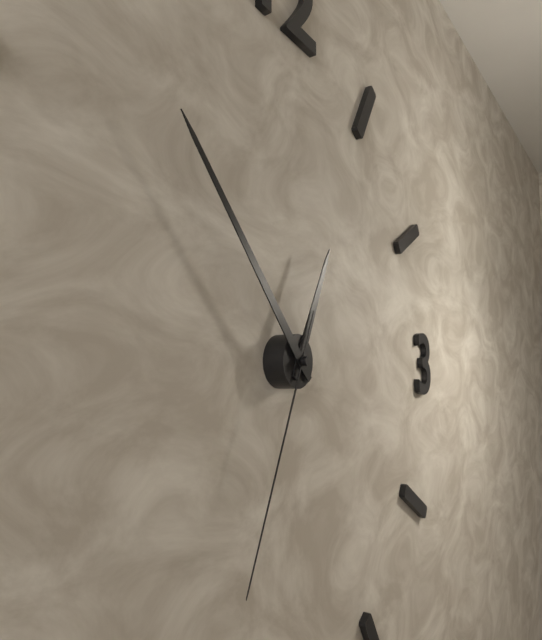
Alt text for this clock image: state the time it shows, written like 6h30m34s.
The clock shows 12h53m34s
